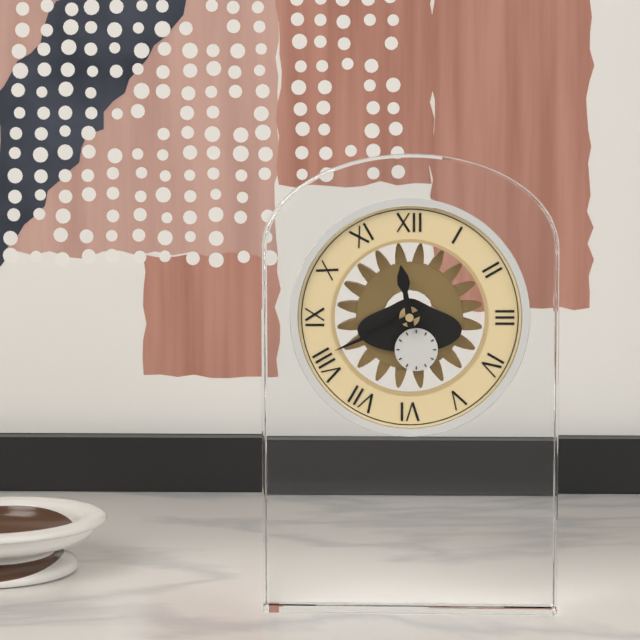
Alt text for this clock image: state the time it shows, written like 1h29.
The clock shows 11h41
